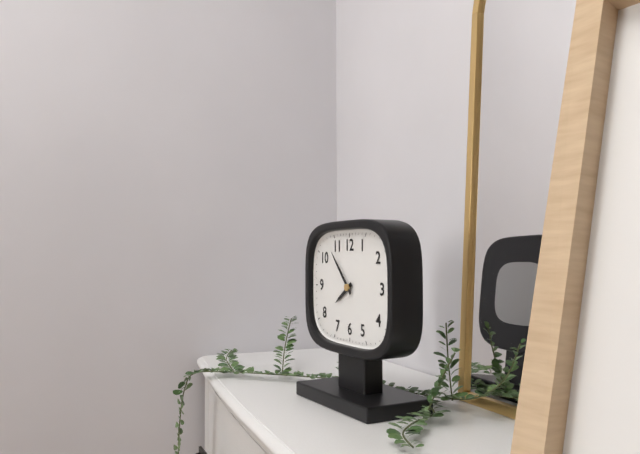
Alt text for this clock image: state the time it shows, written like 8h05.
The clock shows 7h53
